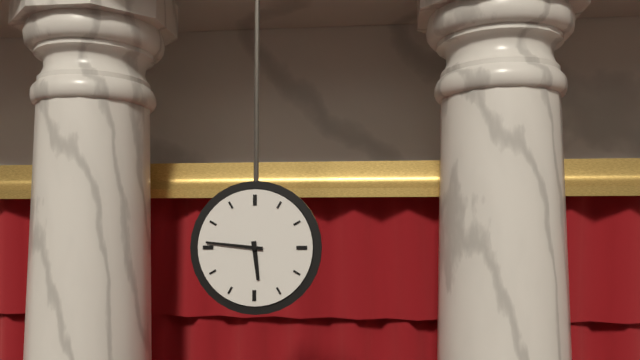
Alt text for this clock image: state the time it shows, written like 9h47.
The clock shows 5h46
